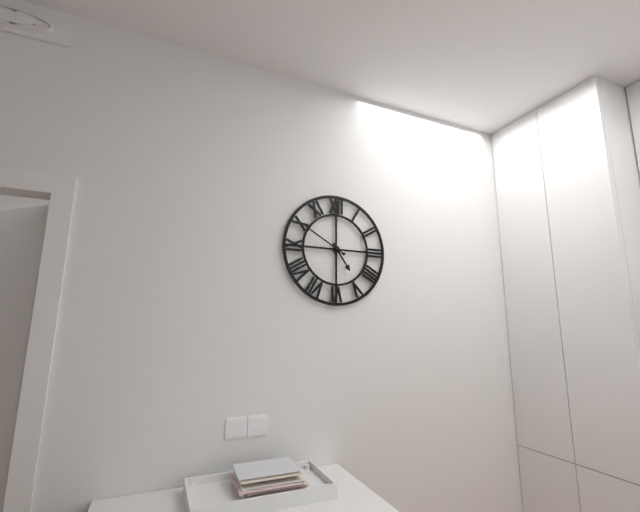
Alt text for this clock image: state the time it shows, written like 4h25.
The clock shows 4h50
